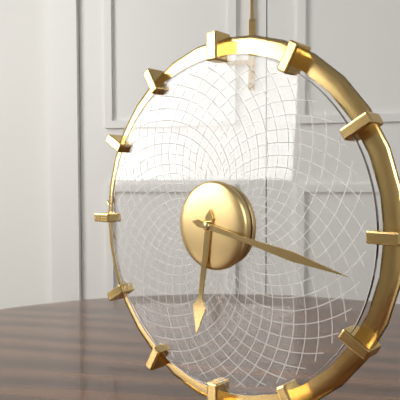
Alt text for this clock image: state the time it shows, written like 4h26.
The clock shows 6h17
